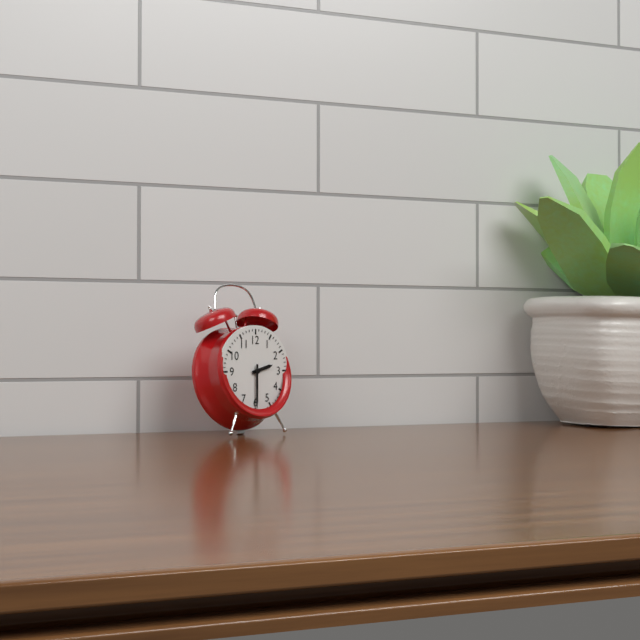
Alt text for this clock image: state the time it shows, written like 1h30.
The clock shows 2h30
